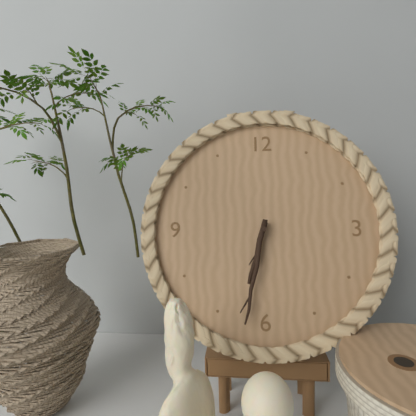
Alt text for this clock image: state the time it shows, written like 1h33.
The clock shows 6h32
